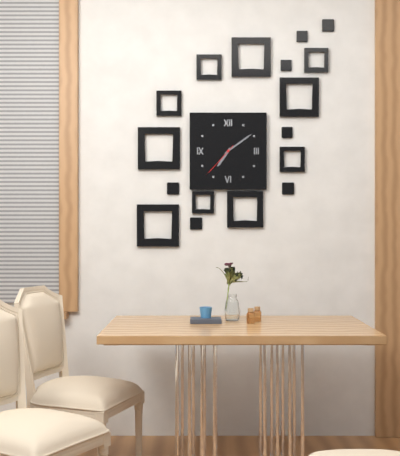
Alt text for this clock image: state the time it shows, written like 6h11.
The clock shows 7h09
